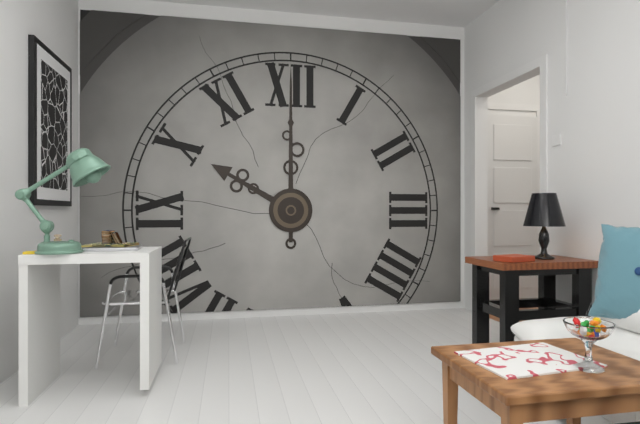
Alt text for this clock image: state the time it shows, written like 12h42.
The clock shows 10h00
